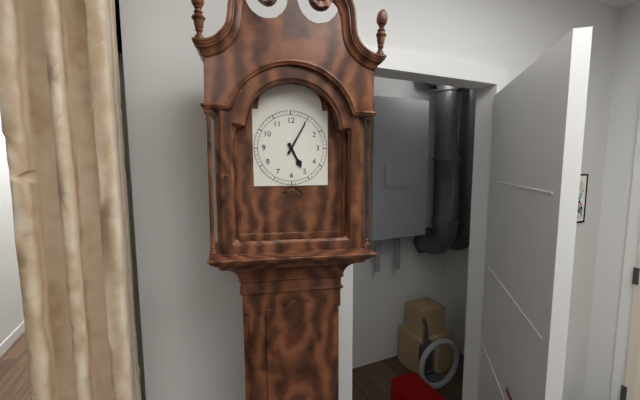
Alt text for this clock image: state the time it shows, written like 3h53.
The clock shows 5h05
